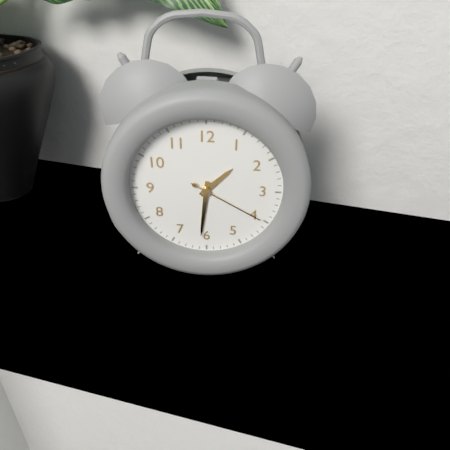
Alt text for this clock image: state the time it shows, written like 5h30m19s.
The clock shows 1h31m20s
